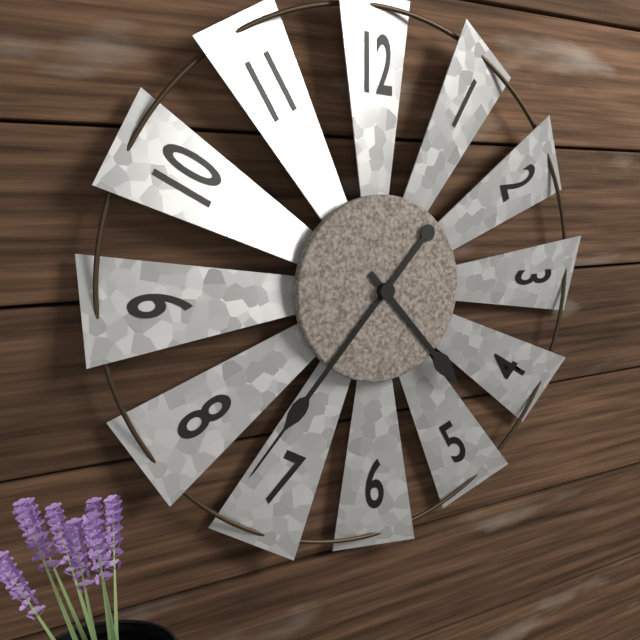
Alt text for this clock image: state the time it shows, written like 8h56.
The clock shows 4h37
